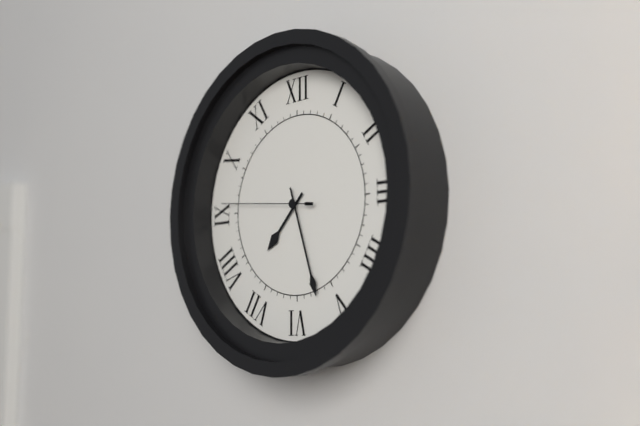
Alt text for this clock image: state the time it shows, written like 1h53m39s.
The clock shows 7h27m46s
